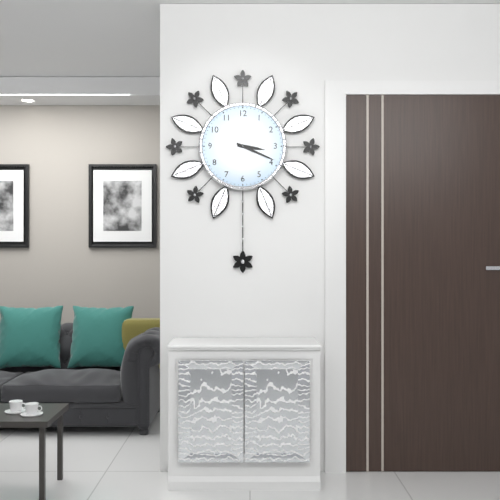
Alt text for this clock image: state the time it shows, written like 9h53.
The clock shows 3h19
